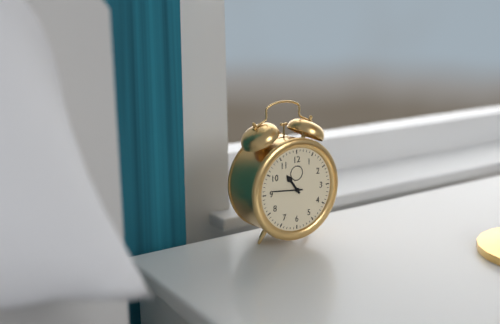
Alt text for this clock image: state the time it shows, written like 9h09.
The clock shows 10h46
